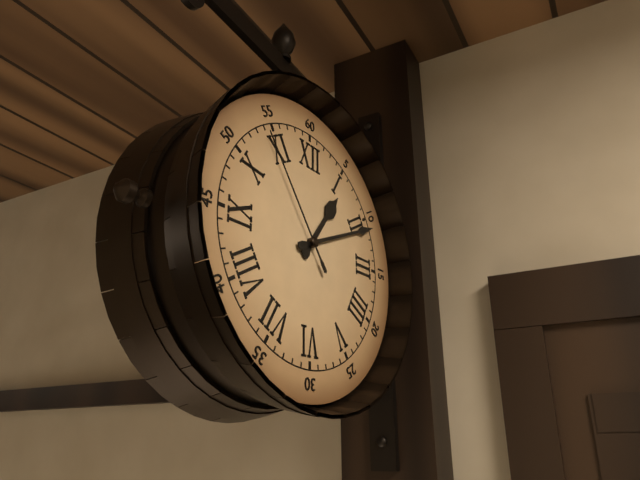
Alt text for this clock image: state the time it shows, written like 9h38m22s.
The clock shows 1h11m54s
